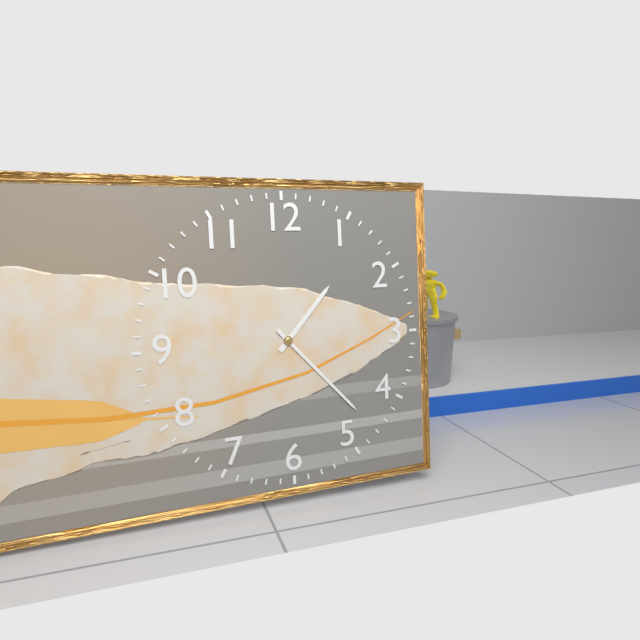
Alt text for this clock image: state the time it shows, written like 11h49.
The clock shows 1h23
